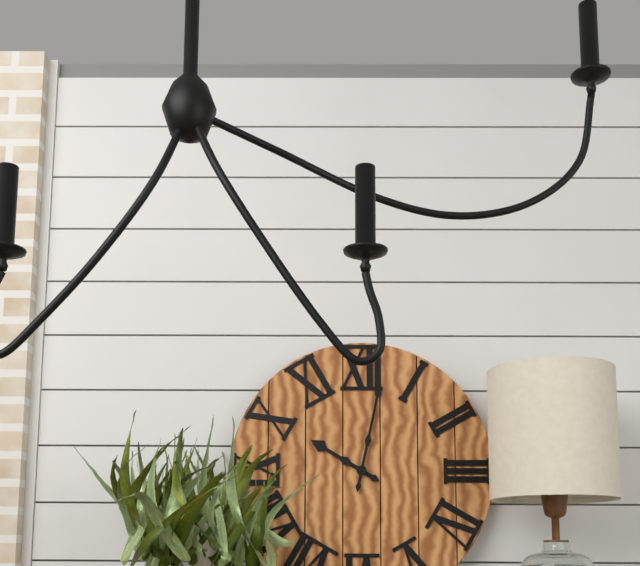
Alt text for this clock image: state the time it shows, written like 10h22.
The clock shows 10h02
